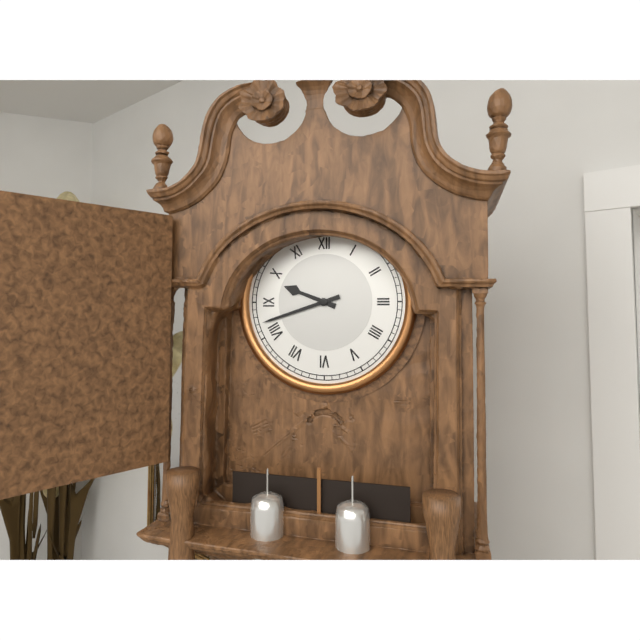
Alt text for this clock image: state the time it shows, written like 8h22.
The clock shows 9h42
